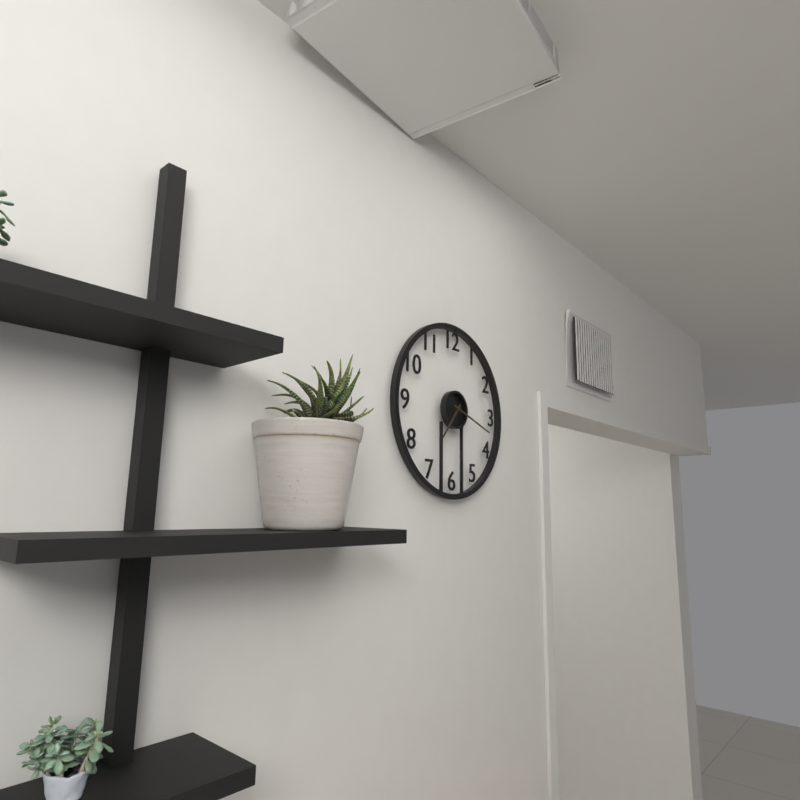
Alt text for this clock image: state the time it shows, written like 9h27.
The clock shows 7h18
